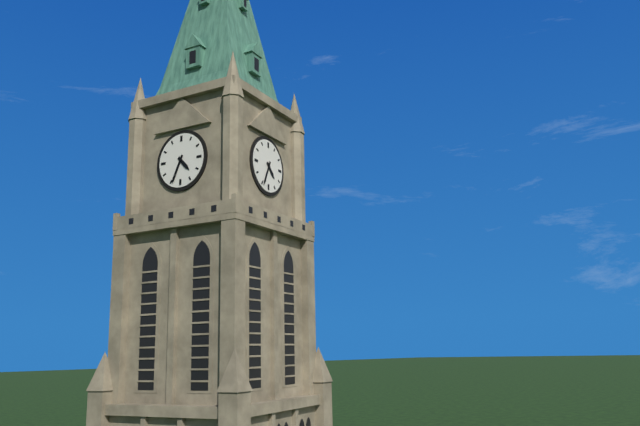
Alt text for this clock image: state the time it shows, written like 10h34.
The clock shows 4h34
